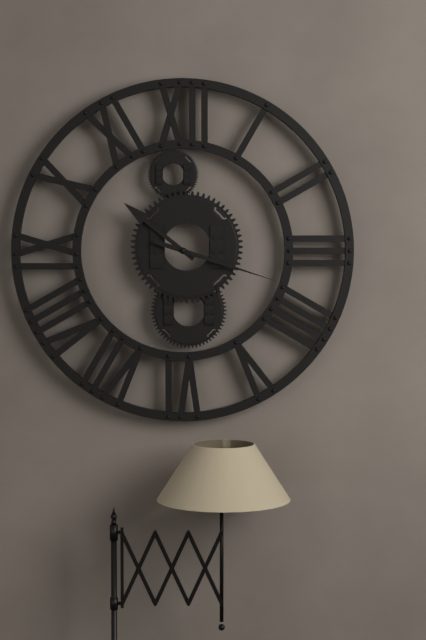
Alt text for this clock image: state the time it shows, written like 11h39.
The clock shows 10h18
